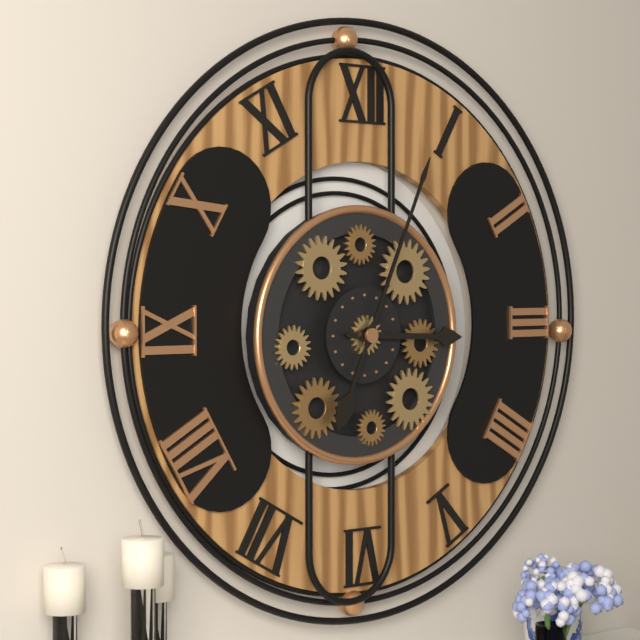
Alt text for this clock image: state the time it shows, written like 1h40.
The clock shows 3h04
